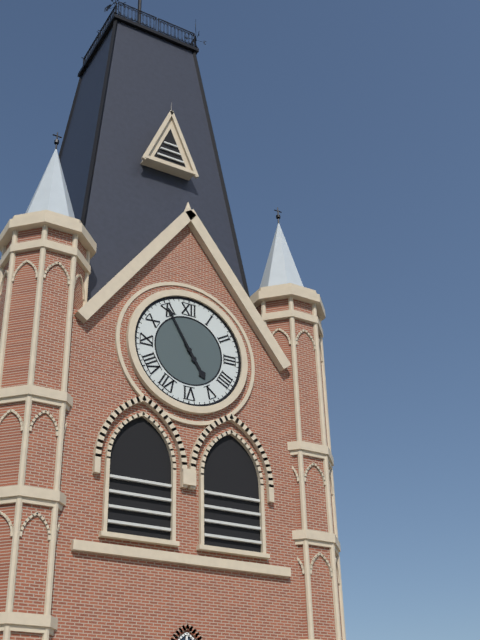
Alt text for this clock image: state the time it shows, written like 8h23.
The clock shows 4h55
